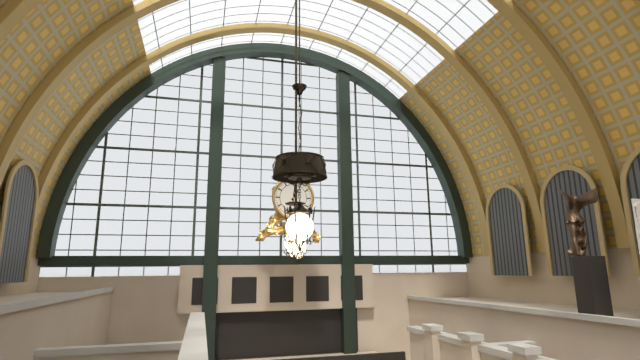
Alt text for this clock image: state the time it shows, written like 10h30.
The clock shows 1h01
